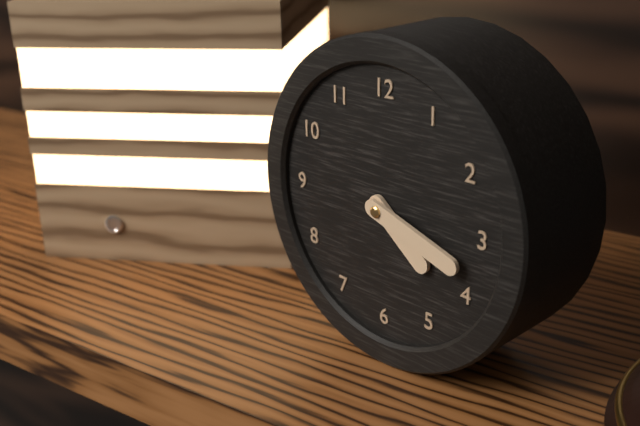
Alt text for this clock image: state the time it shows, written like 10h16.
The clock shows 4h18
